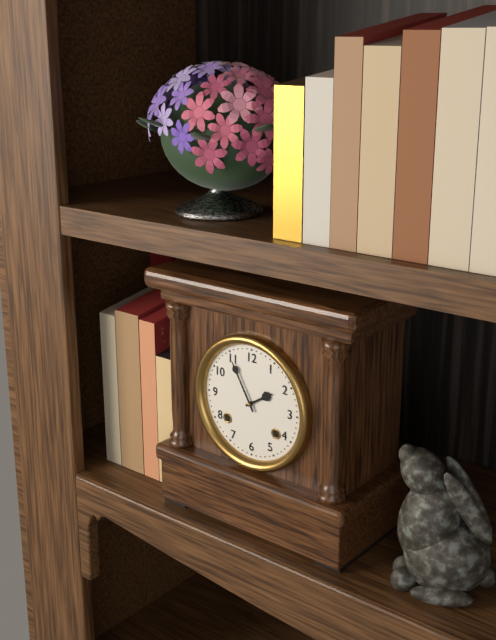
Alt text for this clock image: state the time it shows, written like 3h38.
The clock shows 1h55
